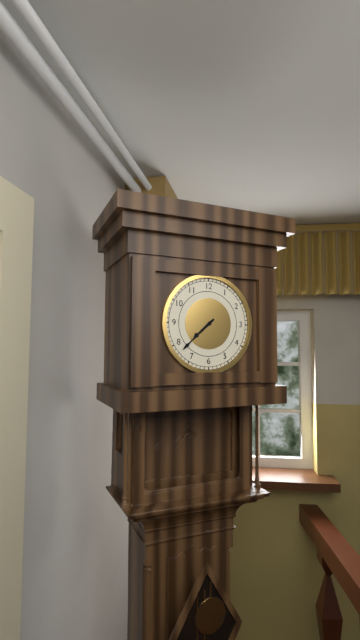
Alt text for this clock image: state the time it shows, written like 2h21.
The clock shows 7h38
